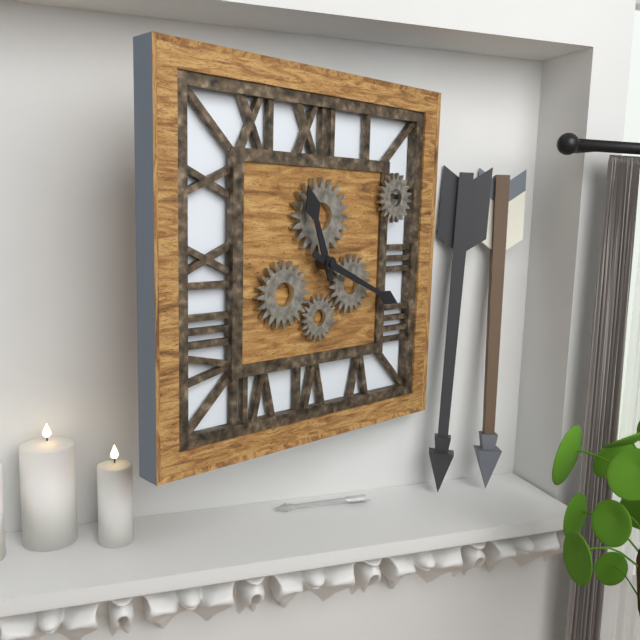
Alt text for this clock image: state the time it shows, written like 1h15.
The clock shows 11h19
